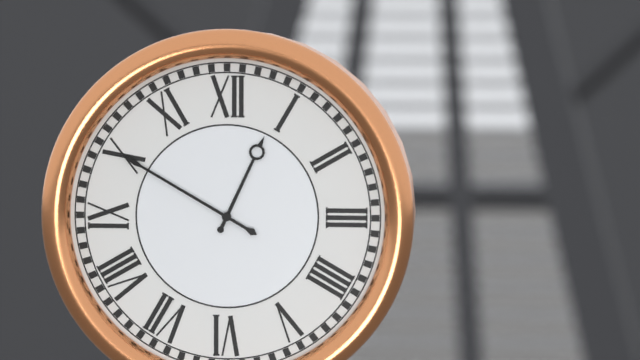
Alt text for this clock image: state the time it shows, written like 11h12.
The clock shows 12h50
